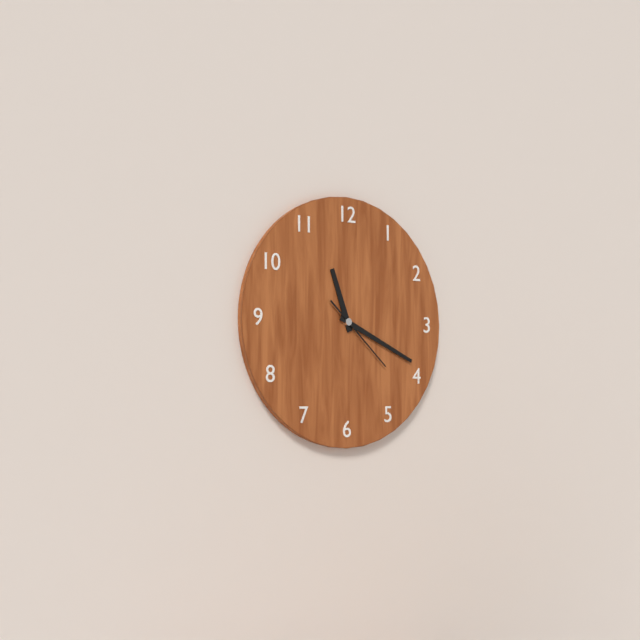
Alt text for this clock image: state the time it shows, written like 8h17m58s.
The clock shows 11h19m22s
